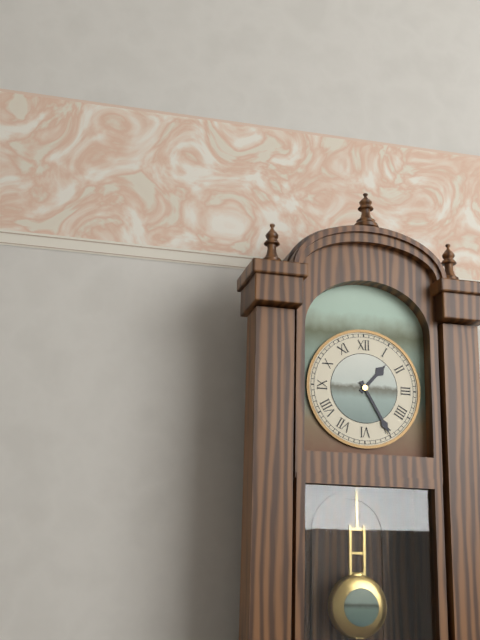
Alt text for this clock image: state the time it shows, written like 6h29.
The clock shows 1h25
